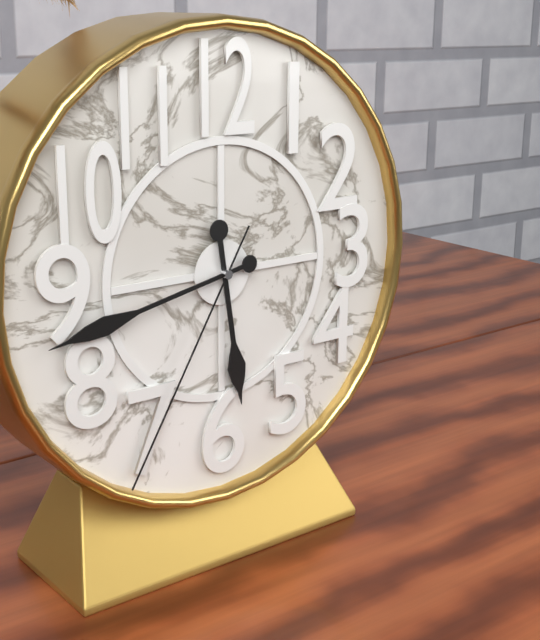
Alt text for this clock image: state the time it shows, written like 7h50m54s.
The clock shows 5h43m35s
